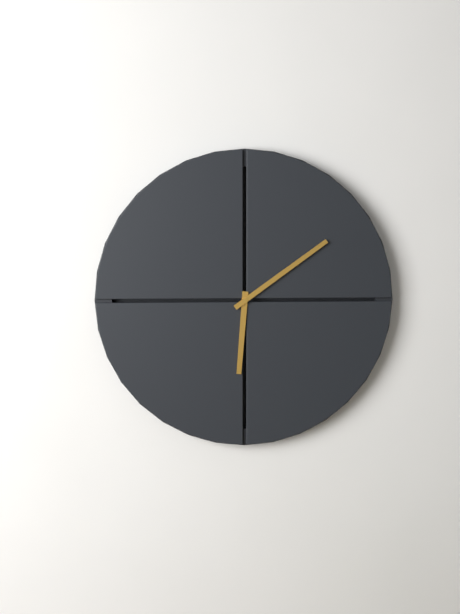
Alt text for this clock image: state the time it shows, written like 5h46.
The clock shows 6h09
